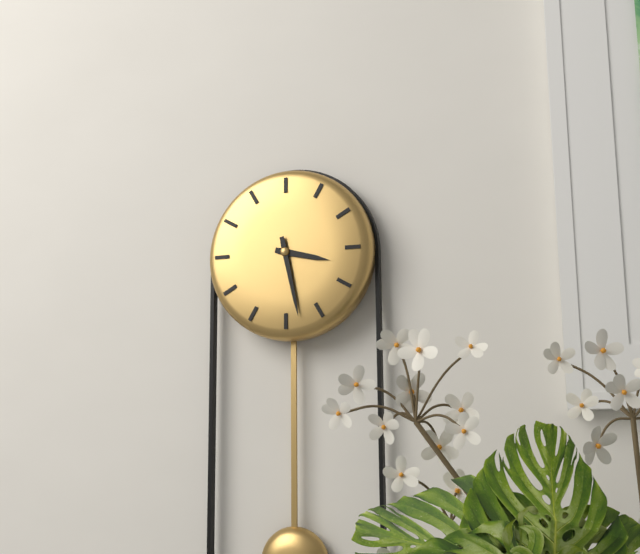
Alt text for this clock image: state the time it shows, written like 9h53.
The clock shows 3h28
